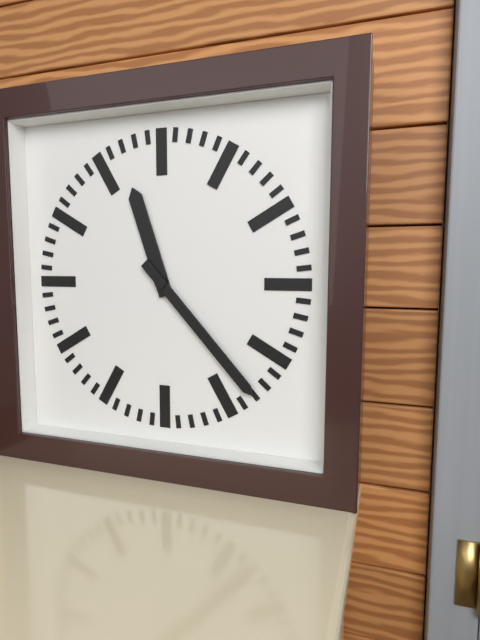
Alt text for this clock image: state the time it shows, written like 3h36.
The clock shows 11h23
